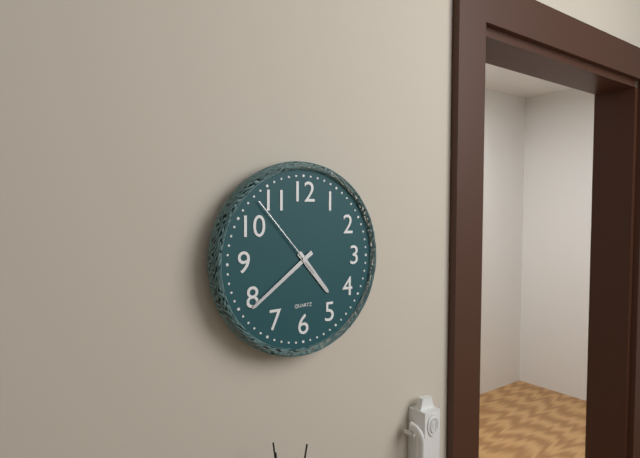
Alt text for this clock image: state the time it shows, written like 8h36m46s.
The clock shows 4h39m53s
